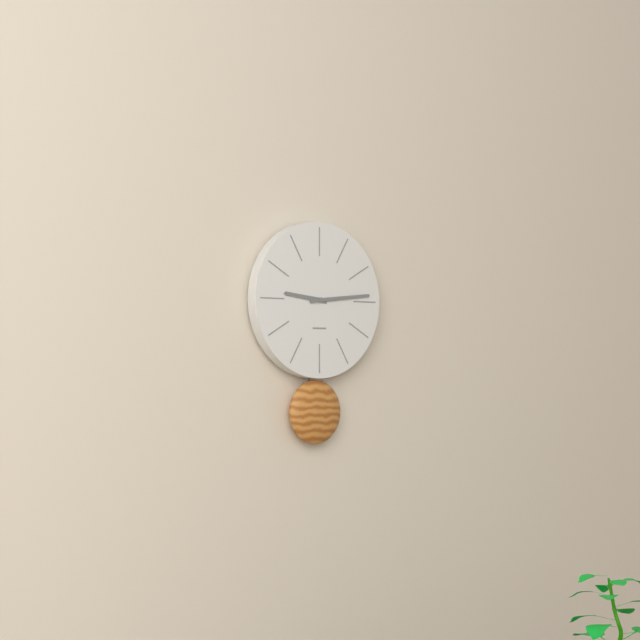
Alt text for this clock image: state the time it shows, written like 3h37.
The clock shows 9h14
